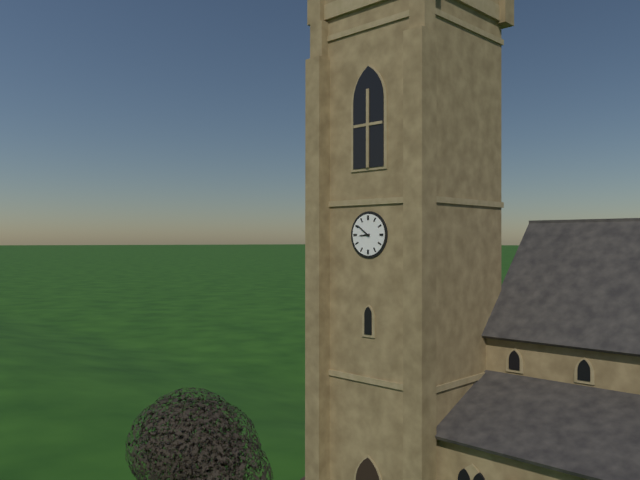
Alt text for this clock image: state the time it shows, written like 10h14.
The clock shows 8h51
